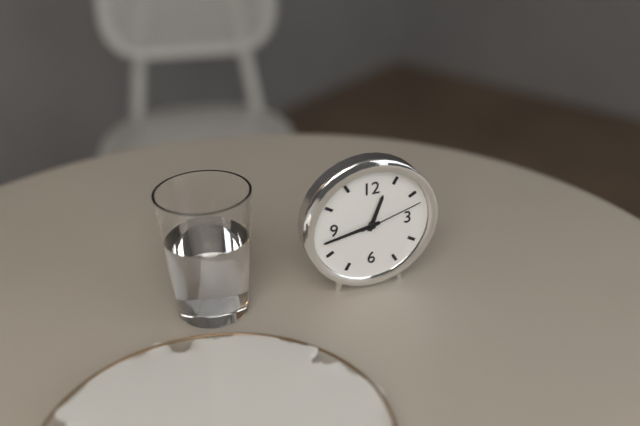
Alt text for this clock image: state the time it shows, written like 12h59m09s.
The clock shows 12h43m12s
